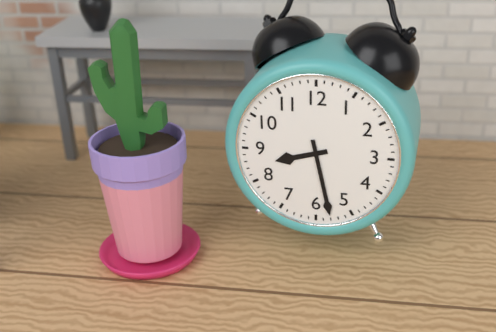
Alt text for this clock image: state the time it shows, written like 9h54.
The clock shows 8h28
